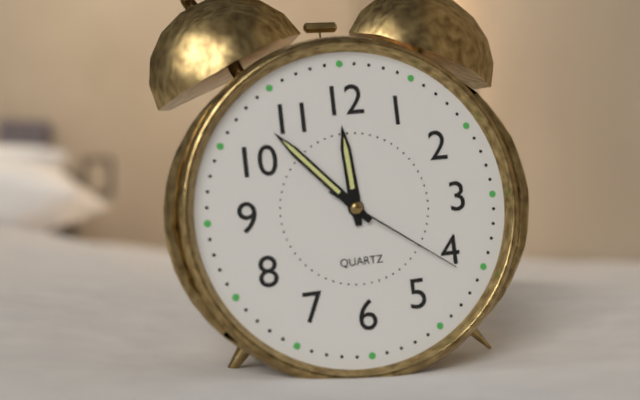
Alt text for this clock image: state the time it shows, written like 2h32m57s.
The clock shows 11h53m21s
